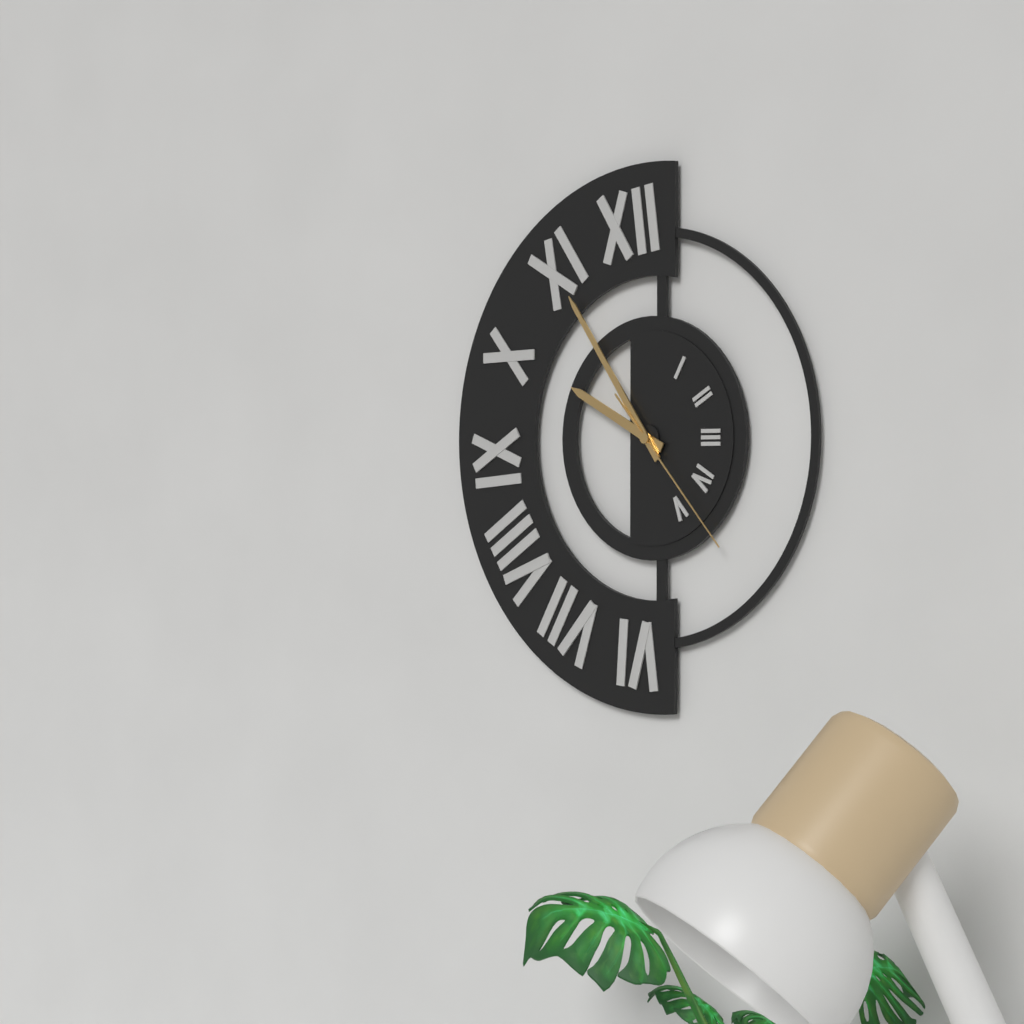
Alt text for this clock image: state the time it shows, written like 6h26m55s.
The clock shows 9h54m23s
